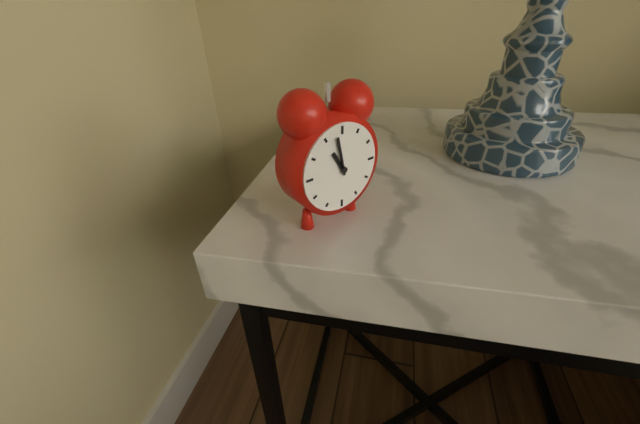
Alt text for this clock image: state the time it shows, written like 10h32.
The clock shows 10h58
